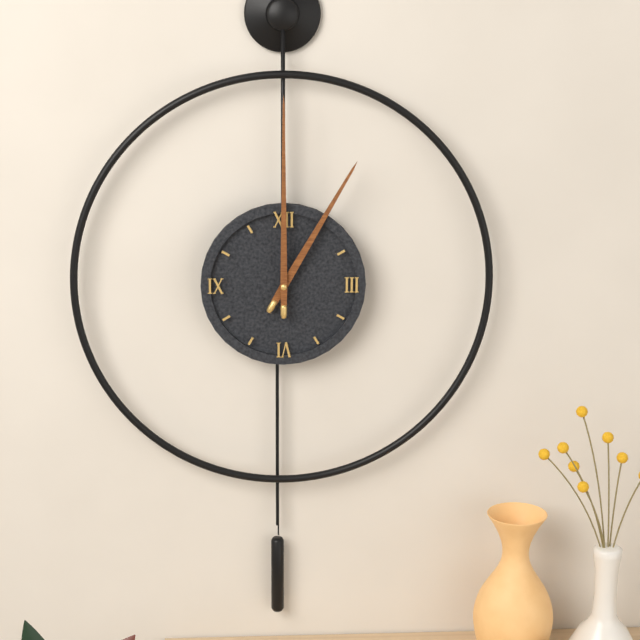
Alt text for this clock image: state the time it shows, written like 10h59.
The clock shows 1h00
